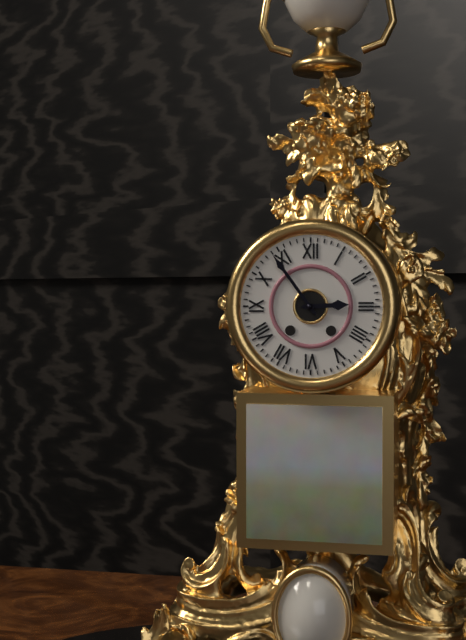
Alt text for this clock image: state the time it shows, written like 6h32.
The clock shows 2h54
